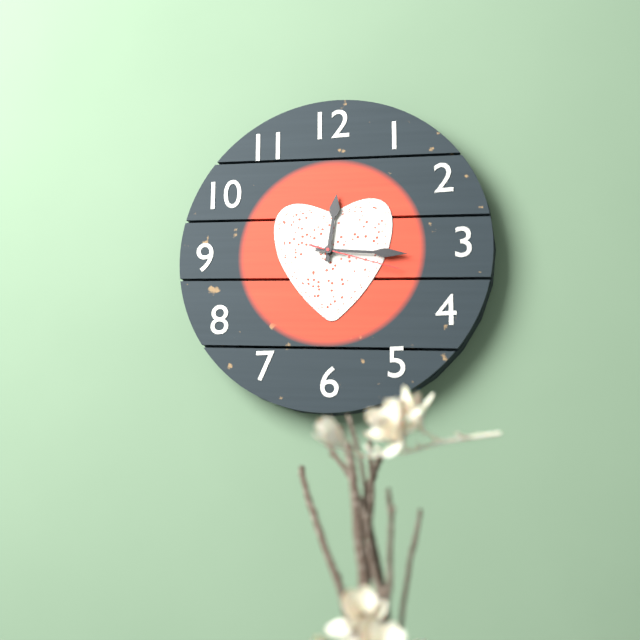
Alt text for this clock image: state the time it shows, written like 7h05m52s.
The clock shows 12h16m18s
